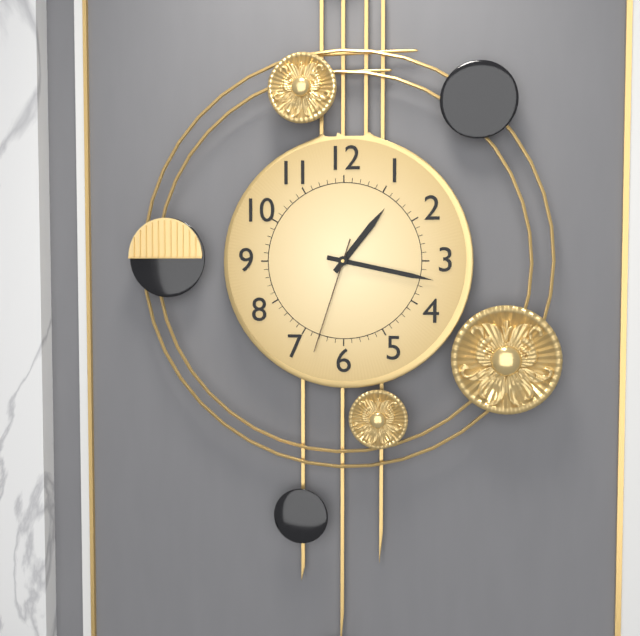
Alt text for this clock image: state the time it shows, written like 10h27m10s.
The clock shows 1h17m33s
